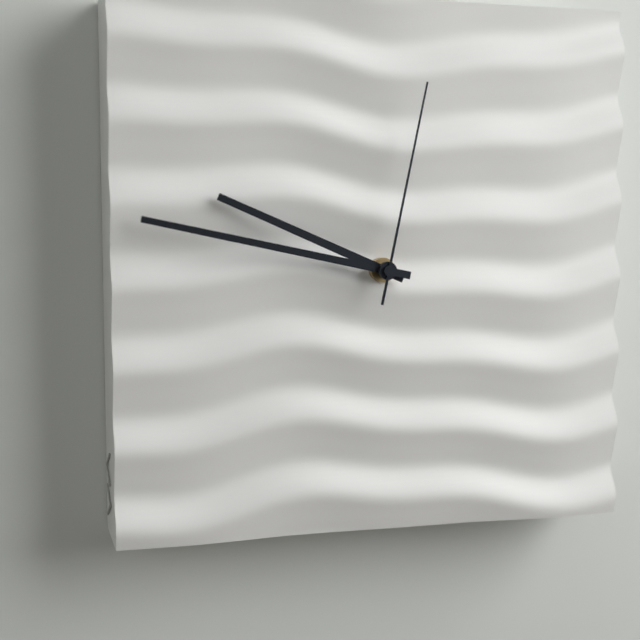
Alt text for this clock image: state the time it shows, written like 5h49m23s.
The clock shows 9h47m02s
